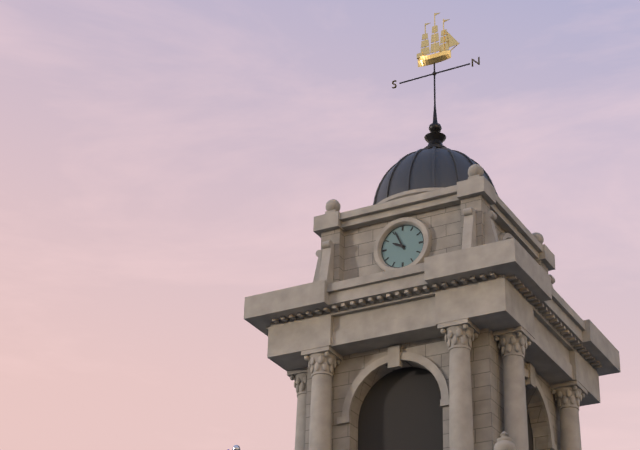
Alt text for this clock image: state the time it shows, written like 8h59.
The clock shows 9h56
